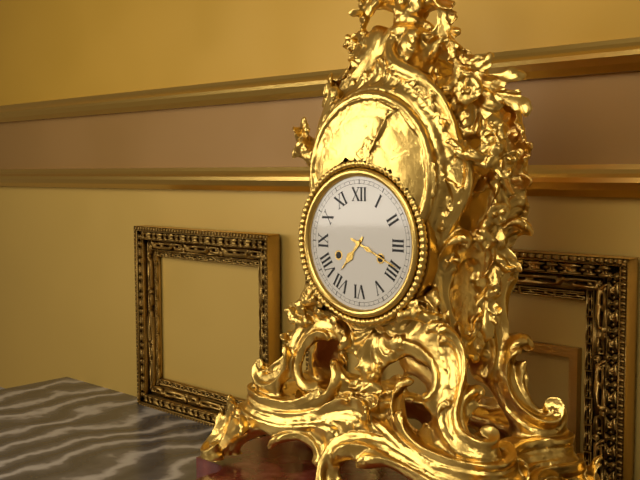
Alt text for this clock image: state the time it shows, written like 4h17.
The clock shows 7h19
